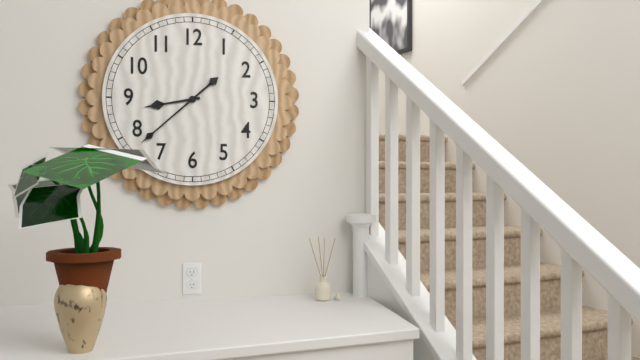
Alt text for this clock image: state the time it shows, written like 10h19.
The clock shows 8h38
